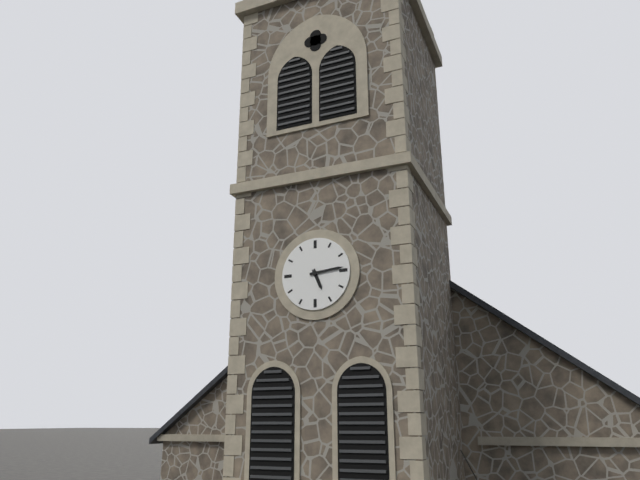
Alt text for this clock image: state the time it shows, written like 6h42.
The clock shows 5h14
